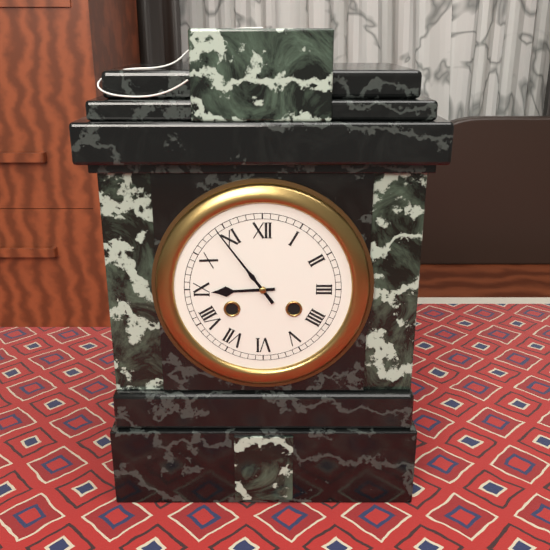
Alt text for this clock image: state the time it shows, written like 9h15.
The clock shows 8h54
